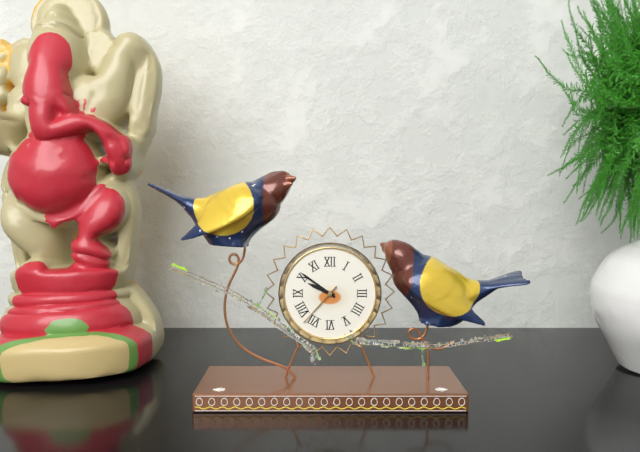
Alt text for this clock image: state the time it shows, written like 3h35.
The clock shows 9h51
